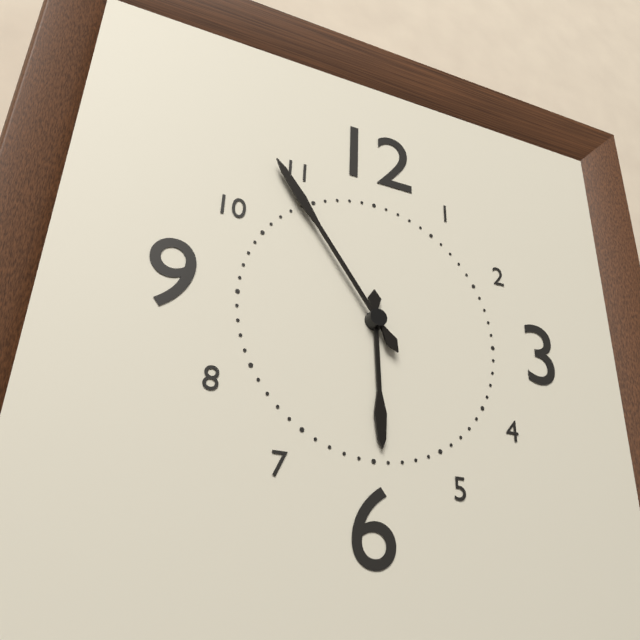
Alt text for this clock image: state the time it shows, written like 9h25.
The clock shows 5h54
